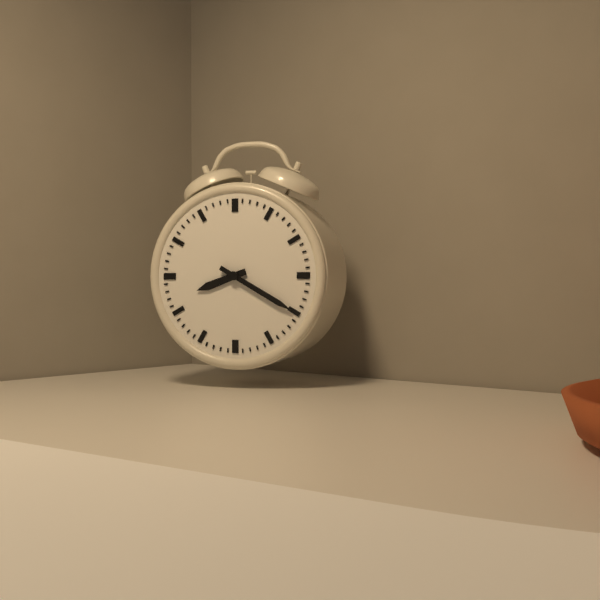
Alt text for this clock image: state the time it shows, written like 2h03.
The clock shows 8h20
